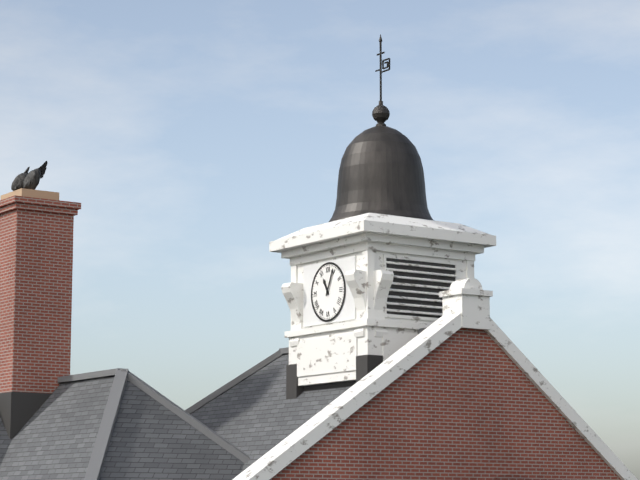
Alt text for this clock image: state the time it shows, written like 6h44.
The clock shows 11h04
